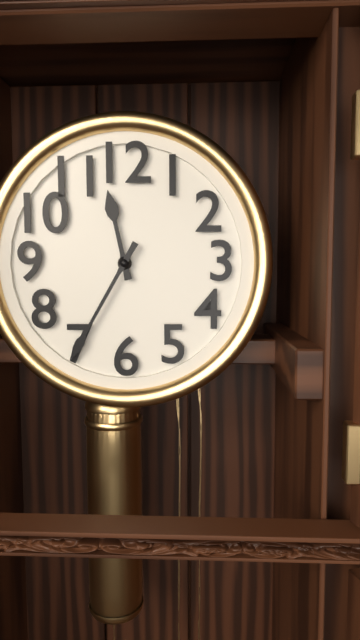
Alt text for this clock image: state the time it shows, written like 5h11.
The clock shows 11h35
